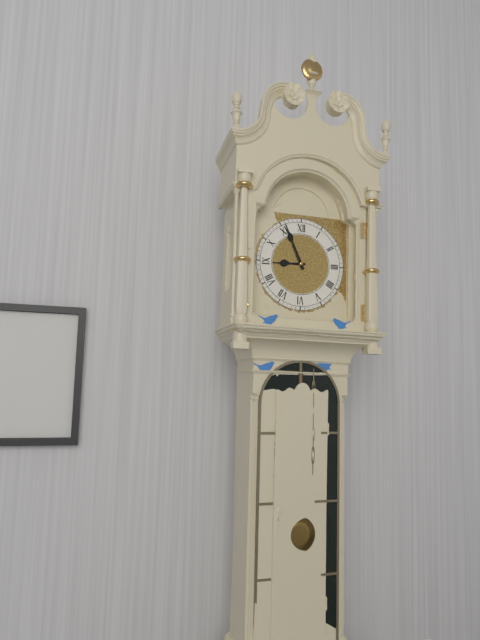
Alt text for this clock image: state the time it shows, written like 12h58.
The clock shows 8h56
